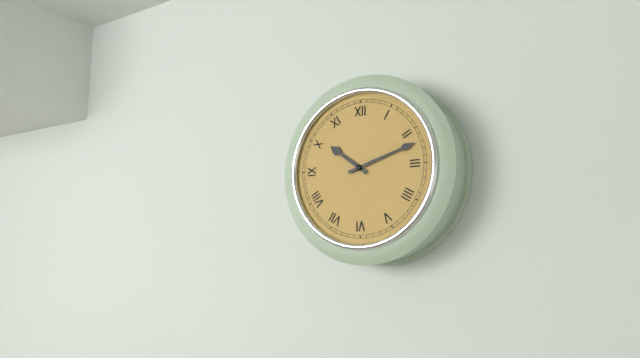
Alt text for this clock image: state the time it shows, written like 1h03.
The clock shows 10h12
